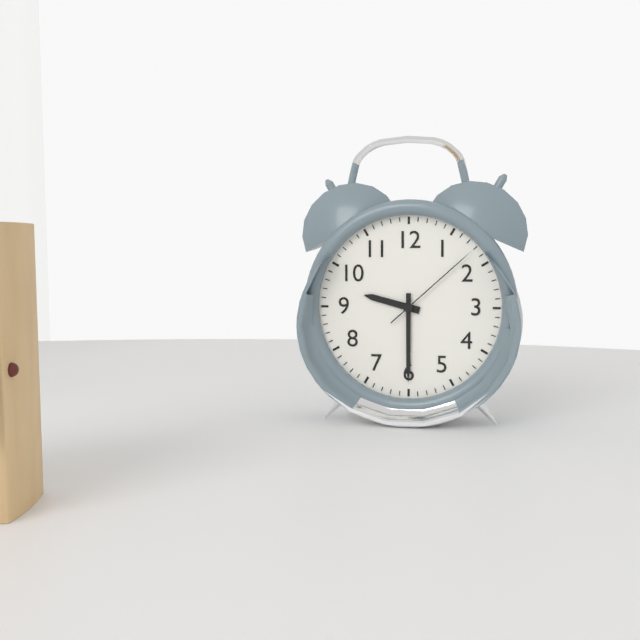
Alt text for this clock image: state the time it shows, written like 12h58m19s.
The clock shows 9h30m08s
